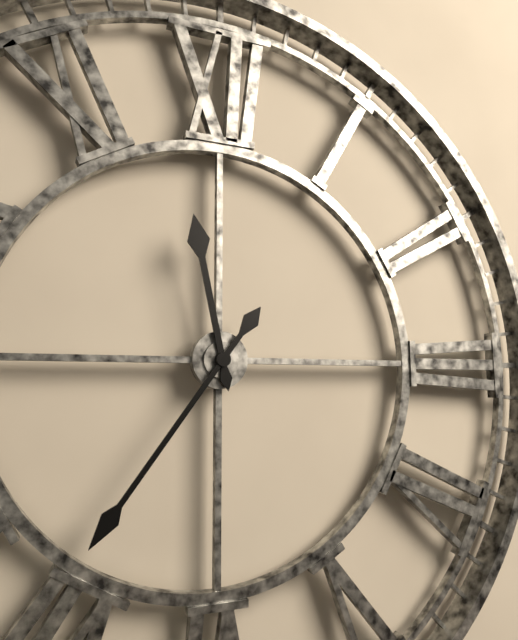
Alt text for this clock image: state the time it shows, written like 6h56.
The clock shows 11h36
